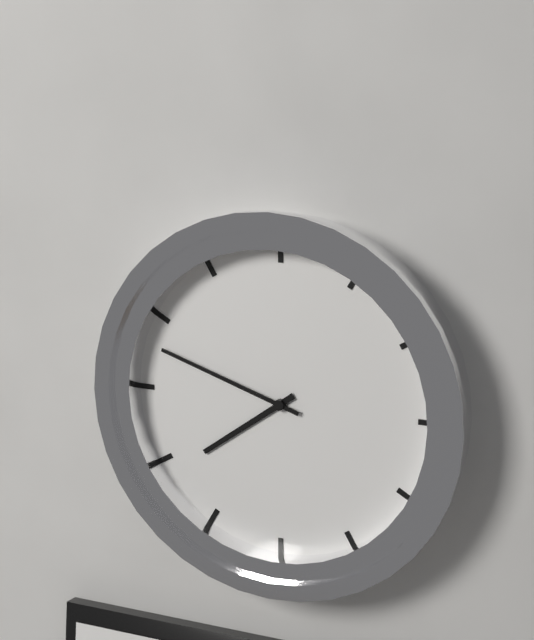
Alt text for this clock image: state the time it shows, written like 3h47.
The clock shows 7h48
